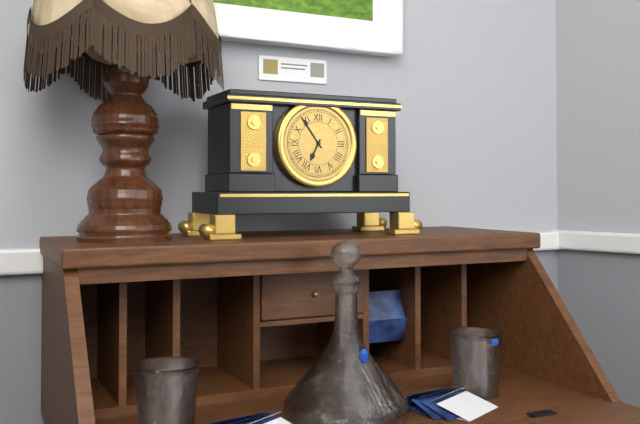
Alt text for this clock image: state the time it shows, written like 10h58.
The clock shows 6h54
